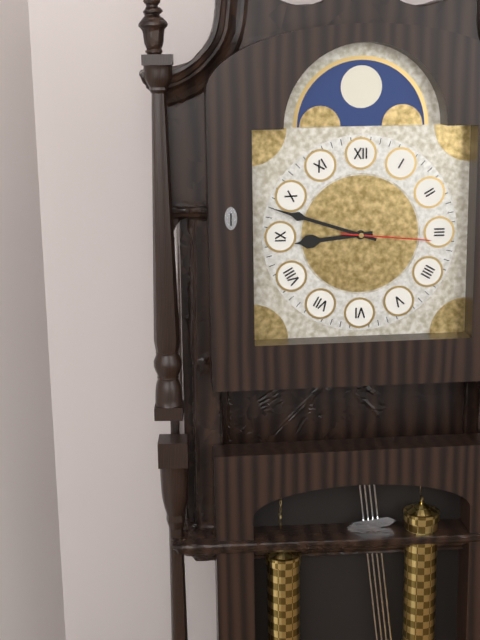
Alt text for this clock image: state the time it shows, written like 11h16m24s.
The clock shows 8h48m16s
